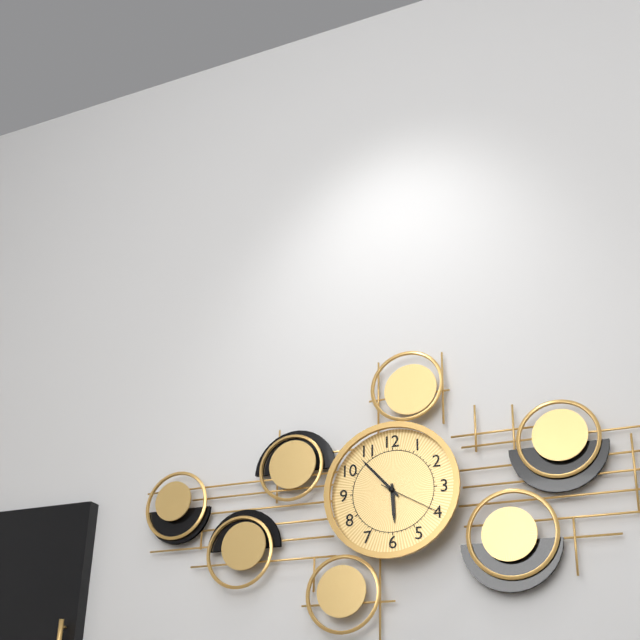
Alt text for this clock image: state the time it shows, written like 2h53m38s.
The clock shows 5h53m20s
